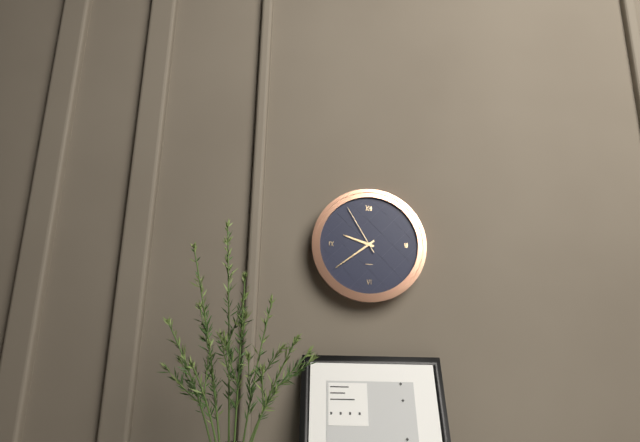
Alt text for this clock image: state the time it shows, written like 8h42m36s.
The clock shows 9h39m55s
